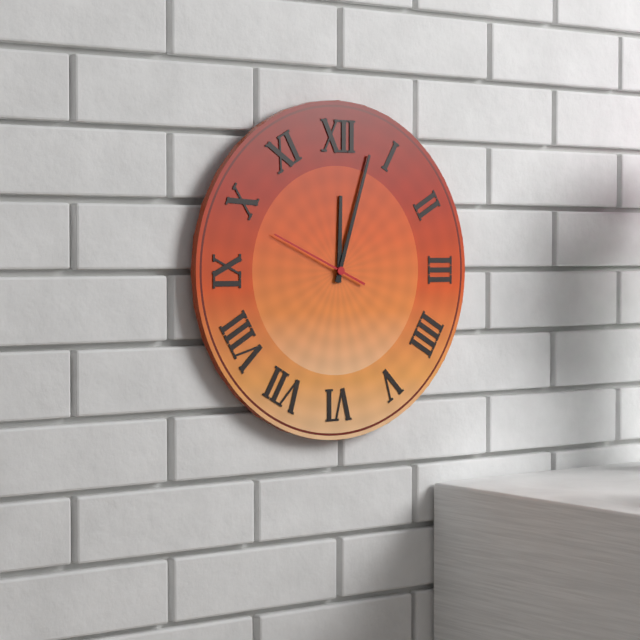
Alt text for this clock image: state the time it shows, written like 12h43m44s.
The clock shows 12h03m49s
